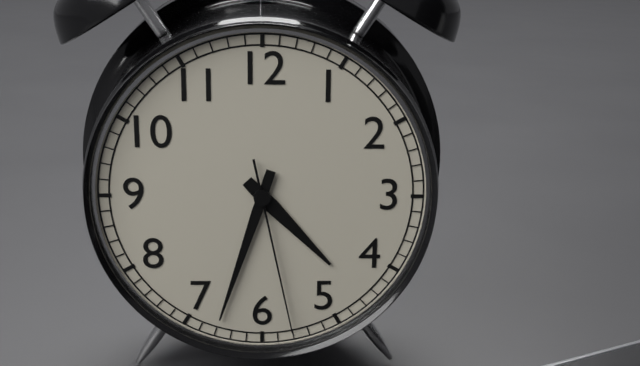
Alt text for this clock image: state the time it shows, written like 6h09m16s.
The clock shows 4h33m28s
